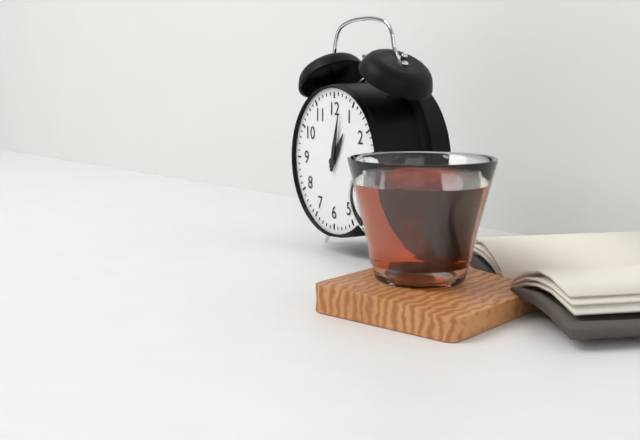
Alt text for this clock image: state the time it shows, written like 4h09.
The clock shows 1h02
